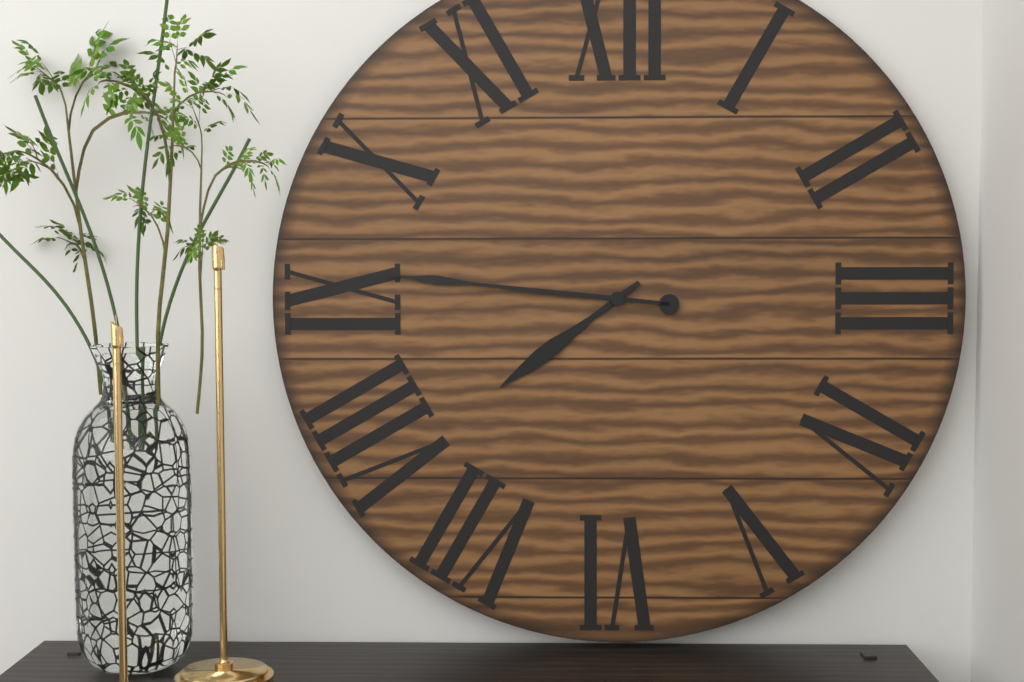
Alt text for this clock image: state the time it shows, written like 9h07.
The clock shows 7h46
